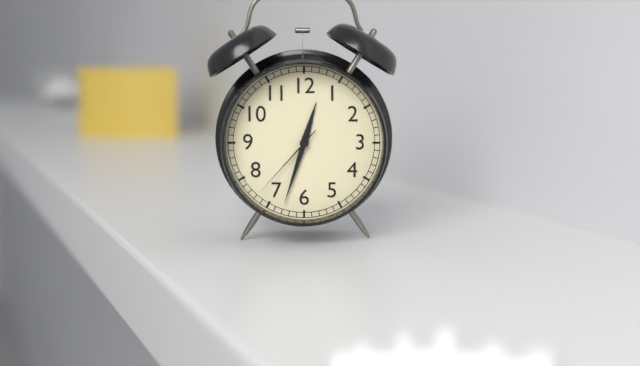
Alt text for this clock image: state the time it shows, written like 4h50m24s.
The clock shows 12h33m37s
